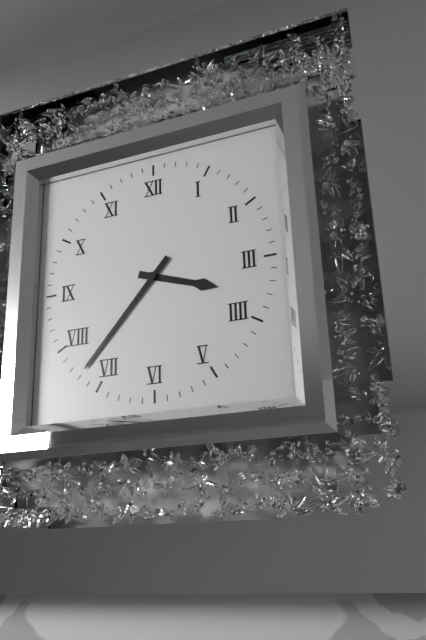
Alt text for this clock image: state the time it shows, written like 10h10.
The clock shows 3h37
